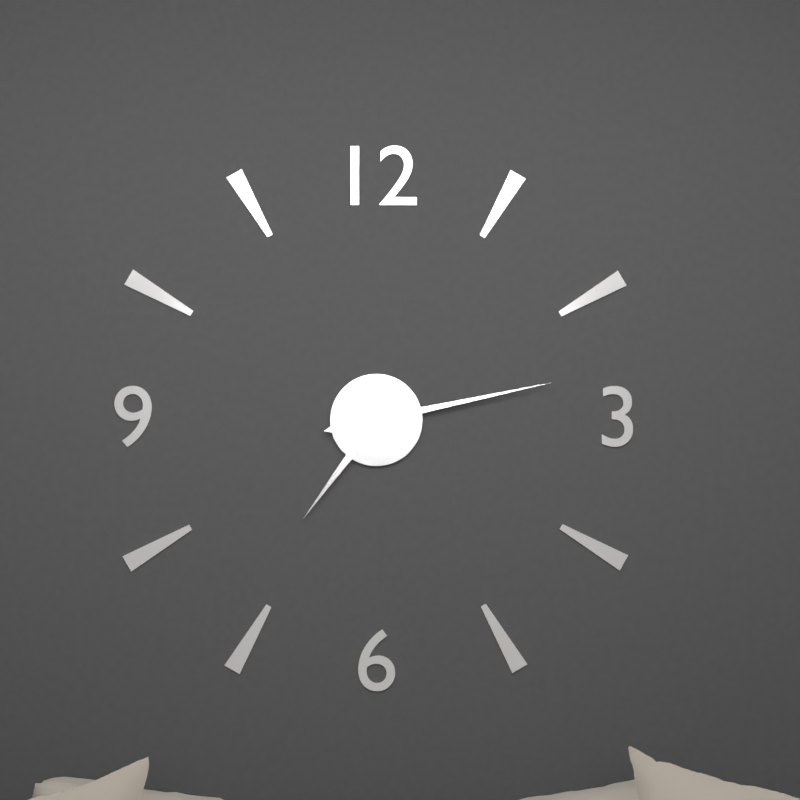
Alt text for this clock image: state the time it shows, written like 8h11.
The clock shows 7h13
